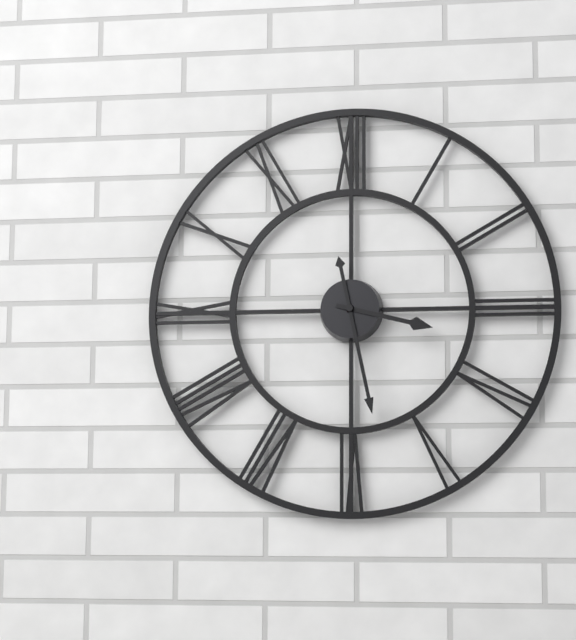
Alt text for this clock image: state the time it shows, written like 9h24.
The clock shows 3h28
